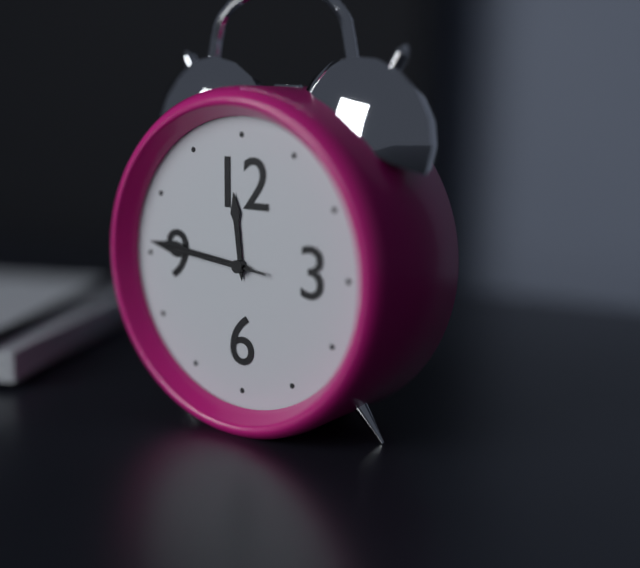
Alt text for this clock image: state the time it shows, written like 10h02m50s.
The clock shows 11h46m46s
